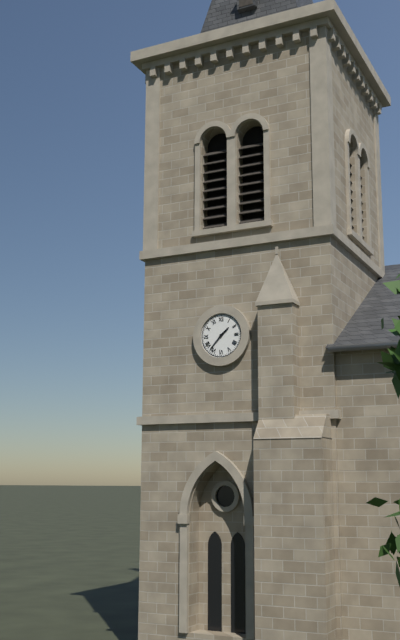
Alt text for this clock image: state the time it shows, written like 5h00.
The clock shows 1h37
